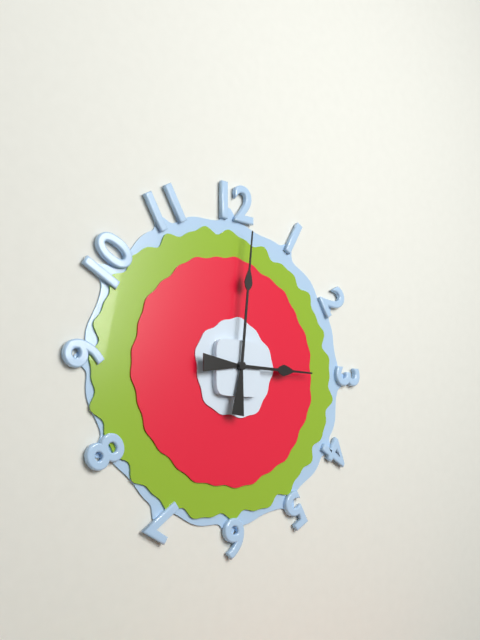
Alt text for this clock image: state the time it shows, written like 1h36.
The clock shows 3h01
